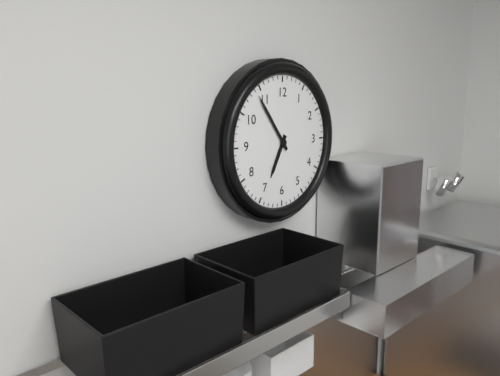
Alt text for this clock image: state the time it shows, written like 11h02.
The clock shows 6h54
